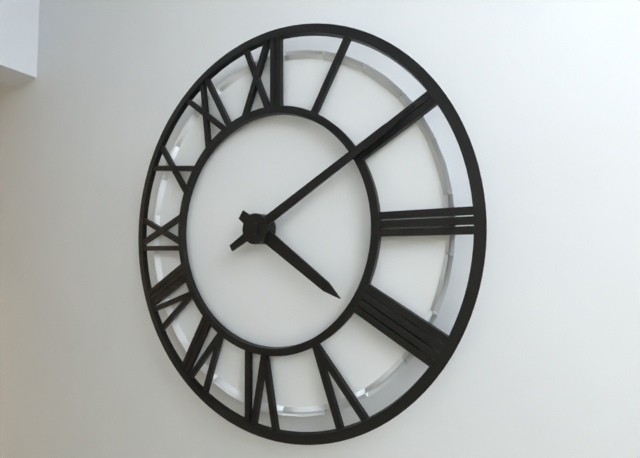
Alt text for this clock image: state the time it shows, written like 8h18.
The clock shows 4h10
